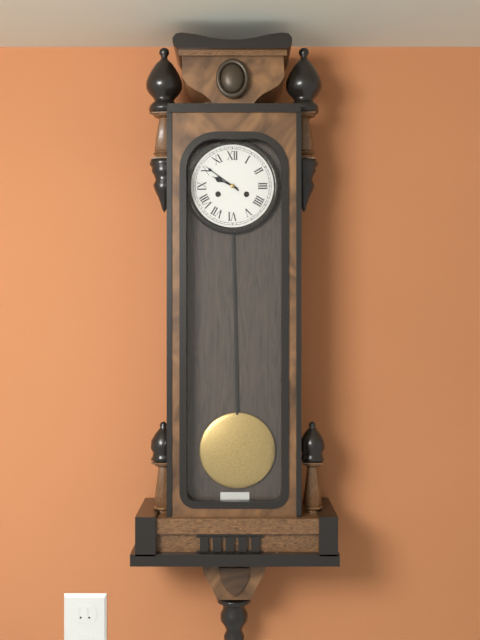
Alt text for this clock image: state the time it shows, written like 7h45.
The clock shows 9h51
